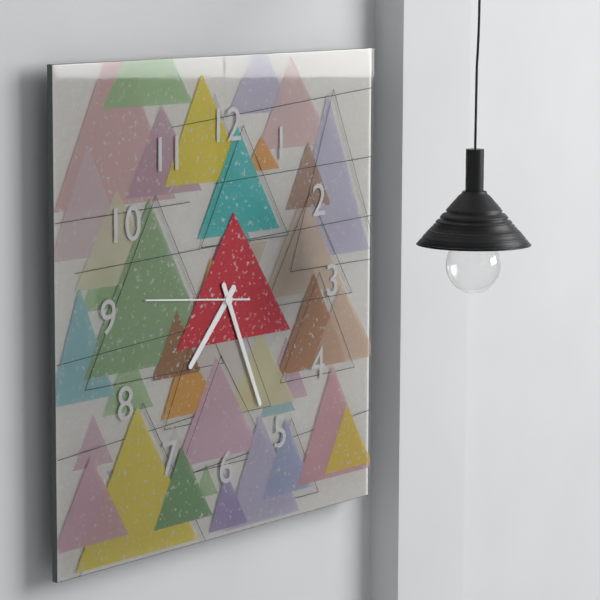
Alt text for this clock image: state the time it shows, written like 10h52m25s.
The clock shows 7h26m46s
